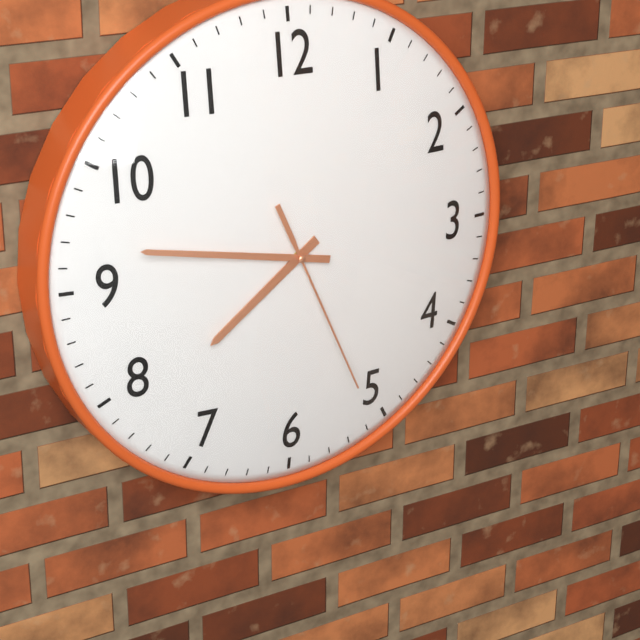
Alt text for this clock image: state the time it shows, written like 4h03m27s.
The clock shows 7h47m26s
